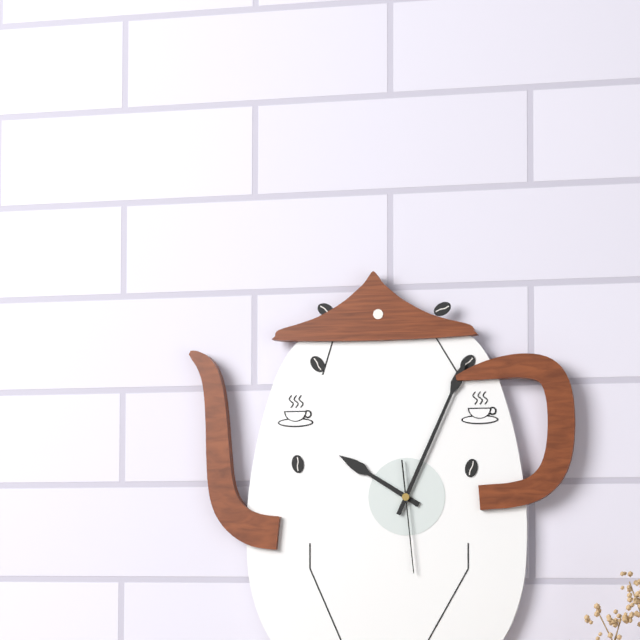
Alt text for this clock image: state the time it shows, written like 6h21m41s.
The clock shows 10h04m29s
